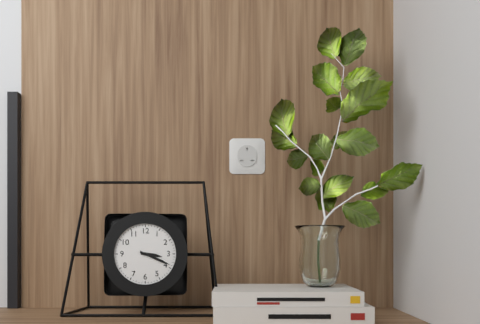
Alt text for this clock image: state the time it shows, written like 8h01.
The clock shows 3h19
